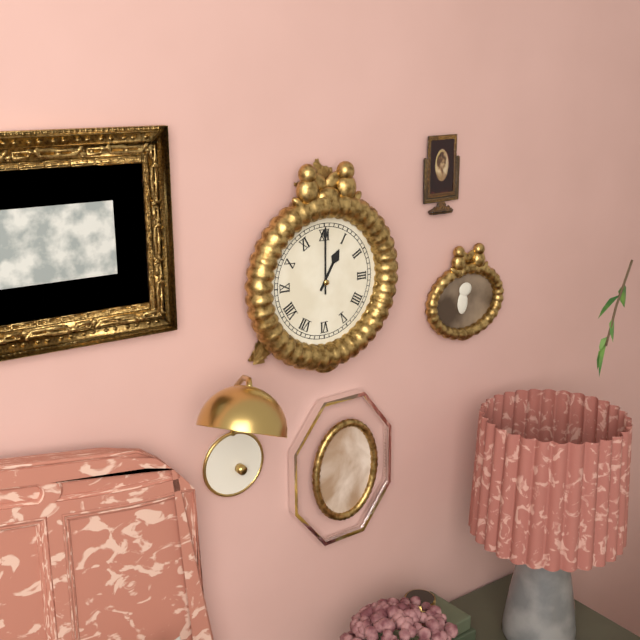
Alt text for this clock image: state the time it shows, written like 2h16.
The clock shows 1h00
